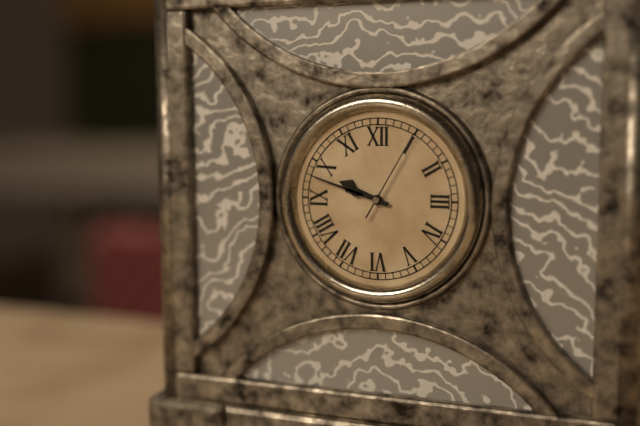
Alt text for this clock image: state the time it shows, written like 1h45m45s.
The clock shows 9h48m05s
